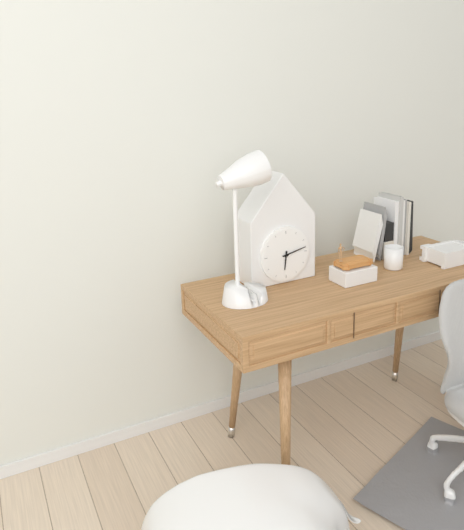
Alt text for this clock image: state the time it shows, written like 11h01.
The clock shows 6h13
